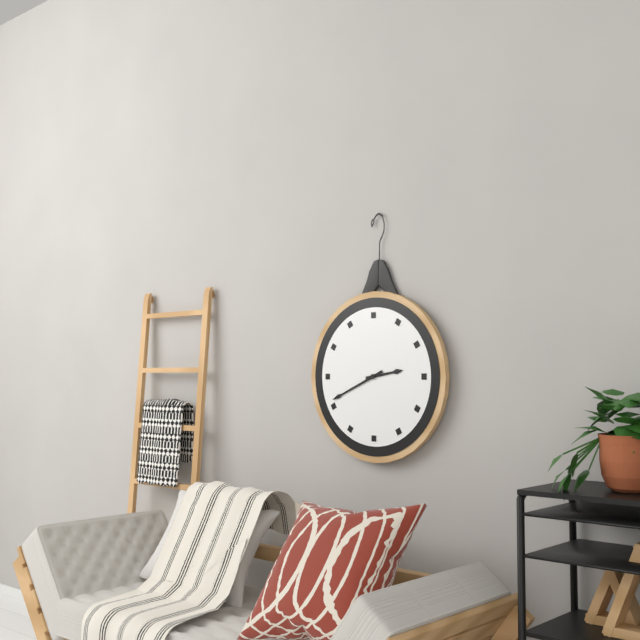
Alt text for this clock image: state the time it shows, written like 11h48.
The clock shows 2h41
